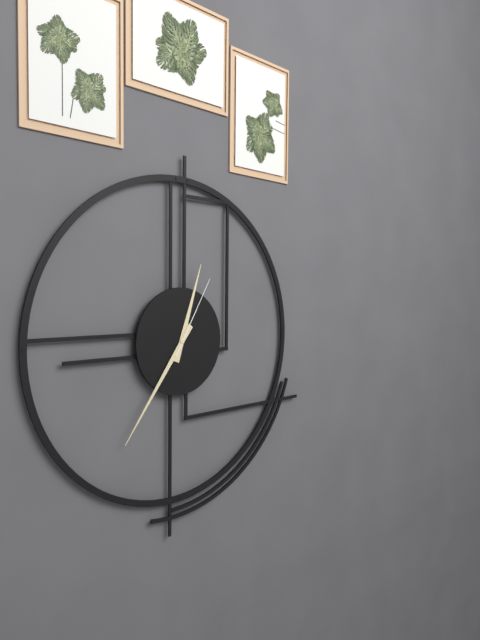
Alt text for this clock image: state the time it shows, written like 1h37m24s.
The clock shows 12h36m05s
